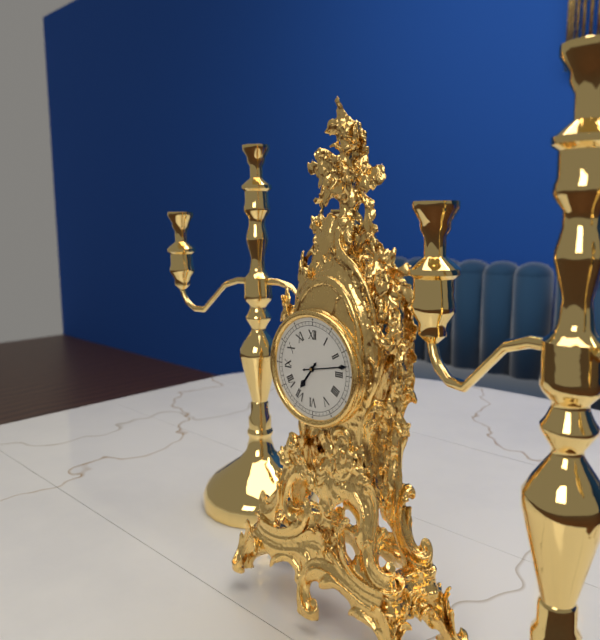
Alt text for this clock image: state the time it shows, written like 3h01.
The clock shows 7h13
